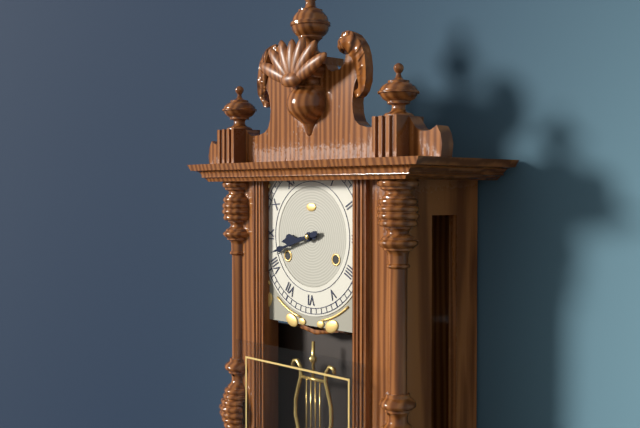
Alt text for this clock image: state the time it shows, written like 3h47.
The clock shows 8h42
